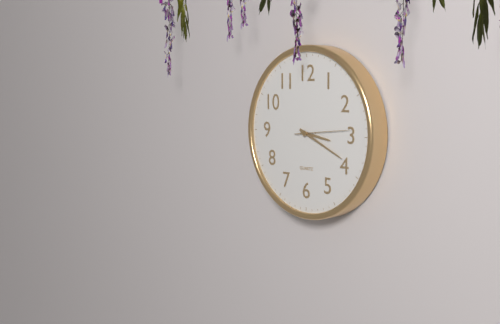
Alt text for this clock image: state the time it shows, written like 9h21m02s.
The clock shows 3h19m14s
